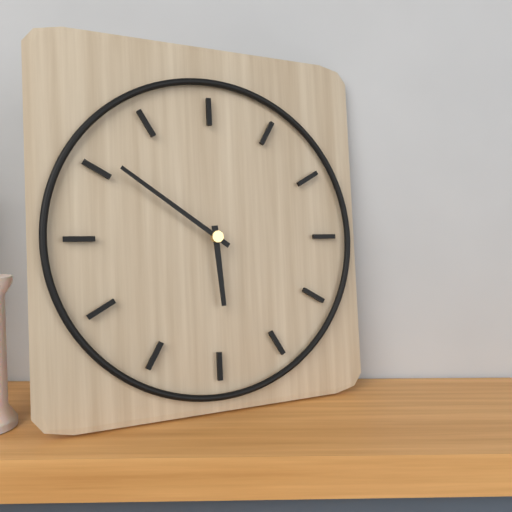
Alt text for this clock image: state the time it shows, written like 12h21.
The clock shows 5h51
